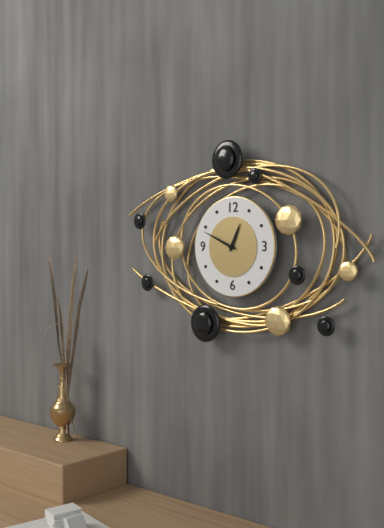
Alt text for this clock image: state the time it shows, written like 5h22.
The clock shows 12h49
